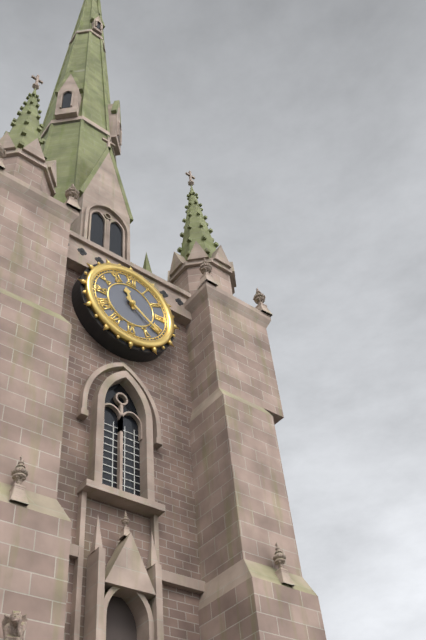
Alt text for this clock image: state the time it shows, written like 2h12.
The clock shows 11h21
